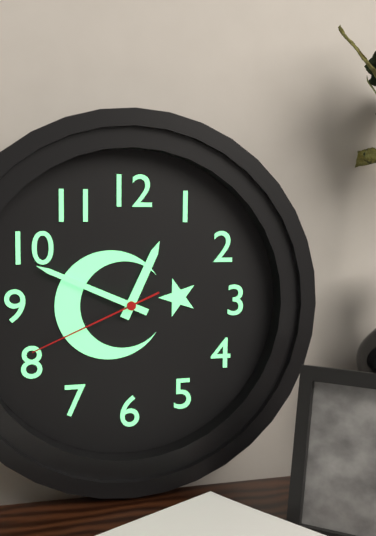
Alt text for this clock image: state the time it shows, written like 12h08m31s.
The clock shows 12h49m41s
